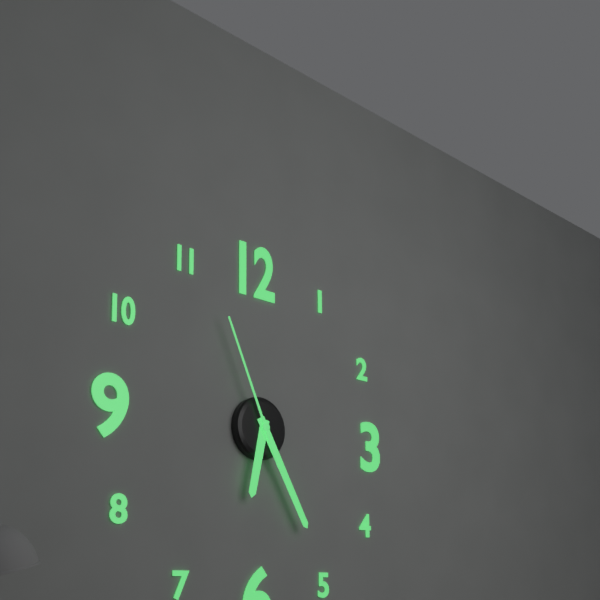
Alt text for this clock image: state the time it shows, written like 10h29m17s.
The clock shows 6h25m56s
